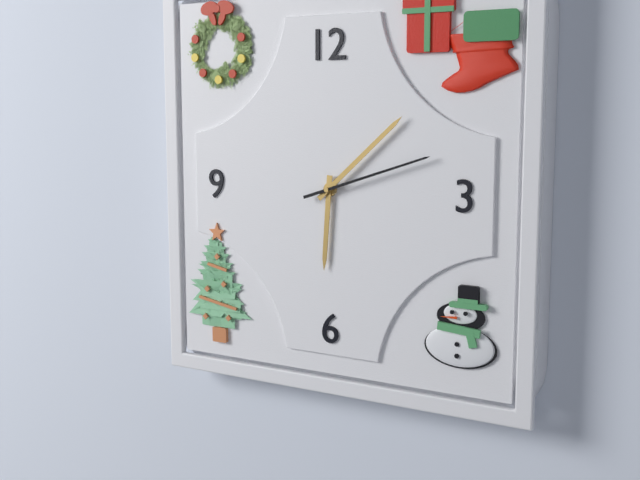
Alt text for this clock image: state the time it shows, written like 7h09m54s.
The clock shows 6h08m12s
